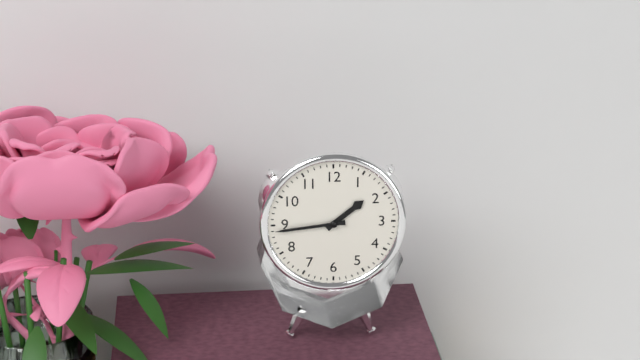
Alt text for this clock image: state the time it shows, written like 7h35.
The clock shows 1h44
